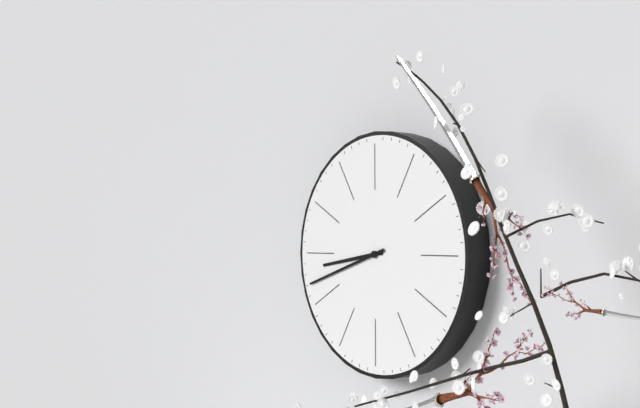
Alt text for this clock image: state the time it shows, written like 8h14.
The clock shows 8h42
